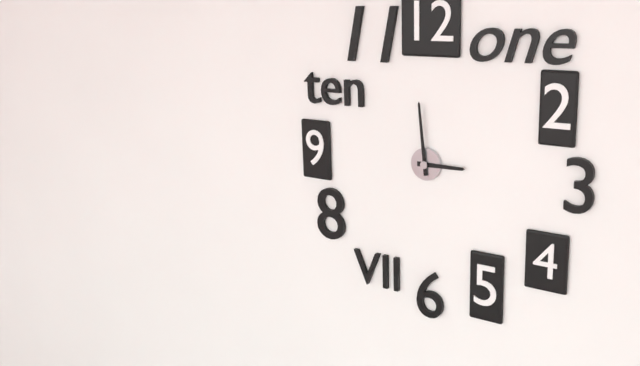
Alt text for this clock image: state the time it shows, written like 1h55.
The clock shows 2h59
